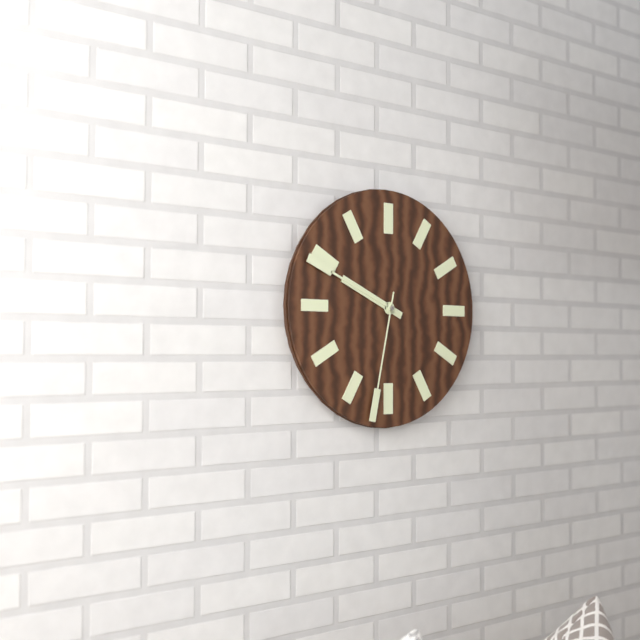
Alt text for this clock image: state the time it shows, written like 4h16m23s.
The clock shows 9h49m32s
